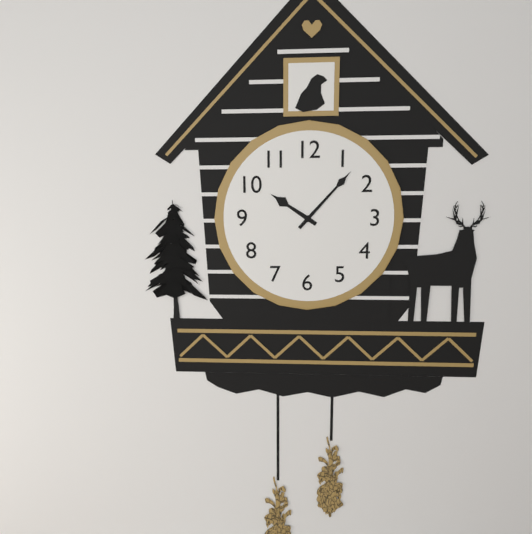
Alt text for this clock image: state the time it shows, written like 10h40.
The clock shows 10h07
